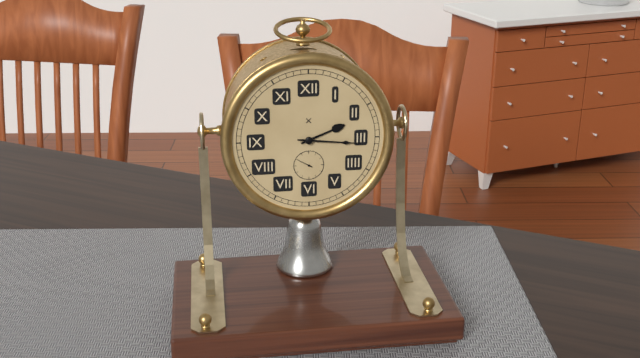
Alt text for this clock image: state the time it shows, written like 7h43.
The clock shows 2h16
